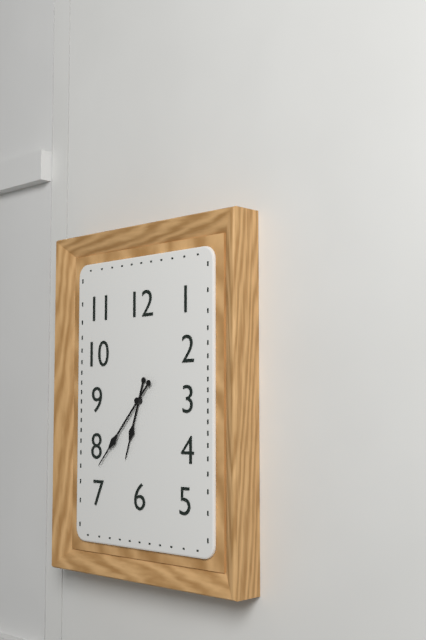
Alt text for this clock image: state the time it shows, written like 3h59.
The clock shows 6h37
